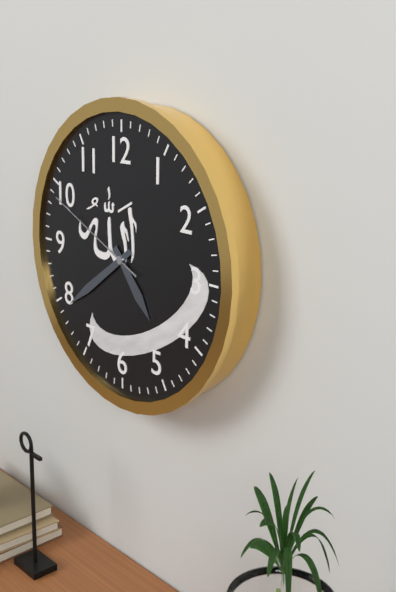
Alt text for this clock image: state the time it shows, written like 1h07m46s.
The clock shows 4h39m49s
